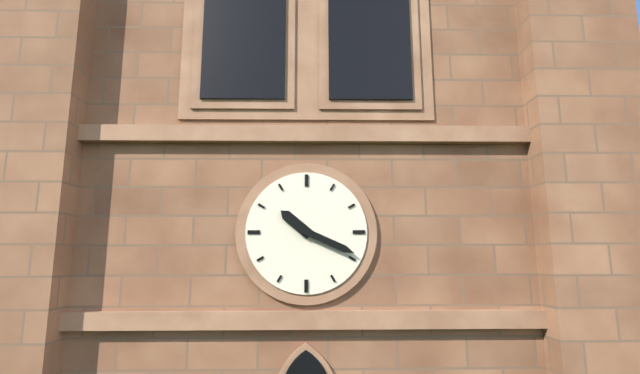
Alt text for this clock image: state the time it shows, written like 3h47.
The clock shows 10h19
